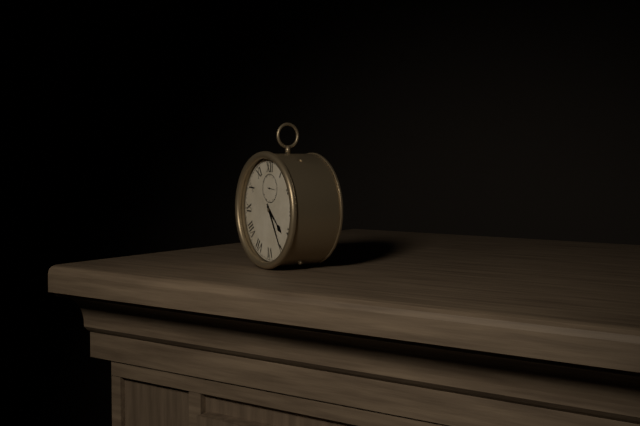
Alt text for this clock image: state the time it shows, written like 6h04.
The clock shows 4h25
